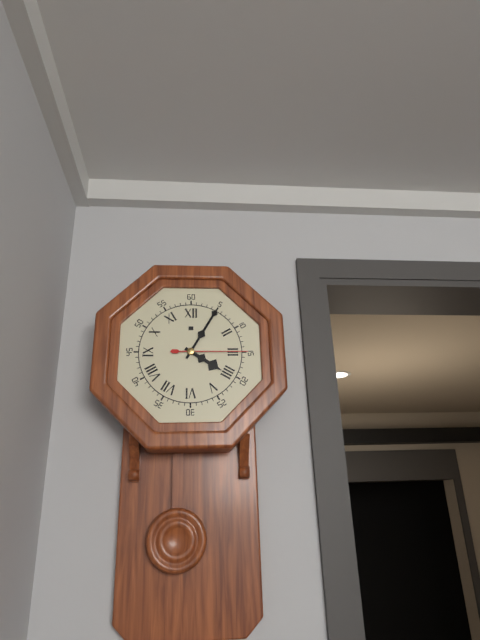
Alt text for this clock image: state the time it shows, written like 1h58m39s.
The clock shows 4h05m15s
